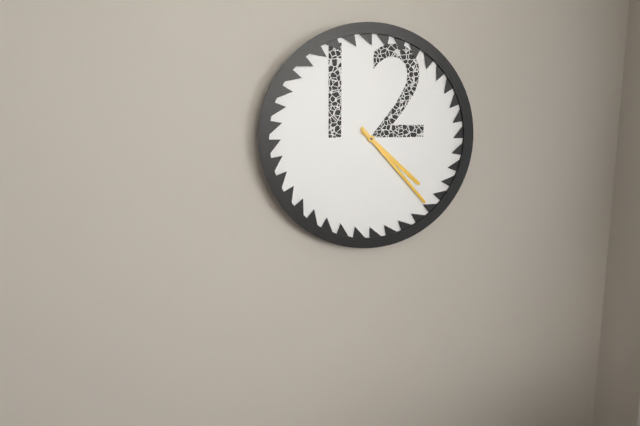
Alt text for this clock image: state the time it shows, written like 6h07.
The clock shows 4h23
